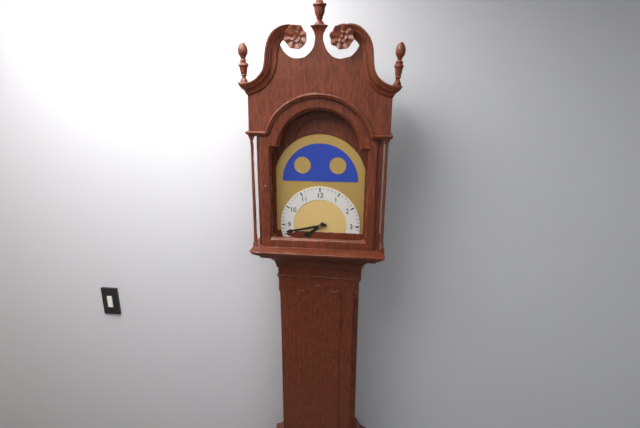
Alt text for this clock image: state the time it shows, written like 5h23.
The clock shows 7h43
